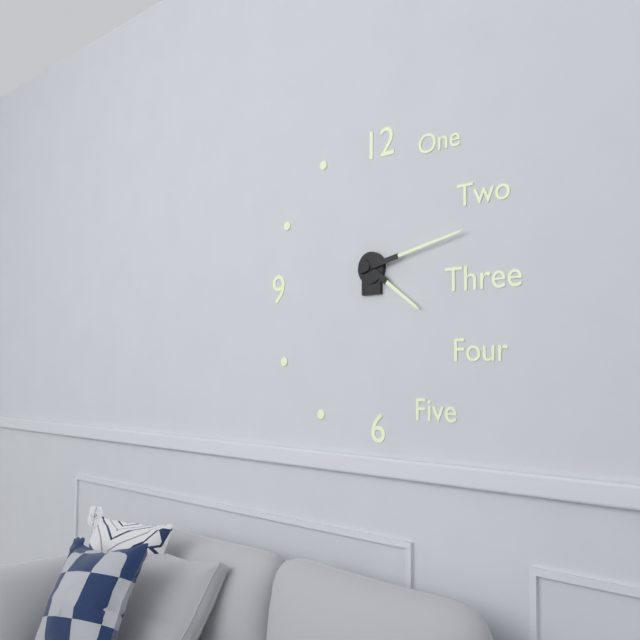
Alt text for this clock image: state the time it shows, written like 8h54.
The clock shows 4h13
